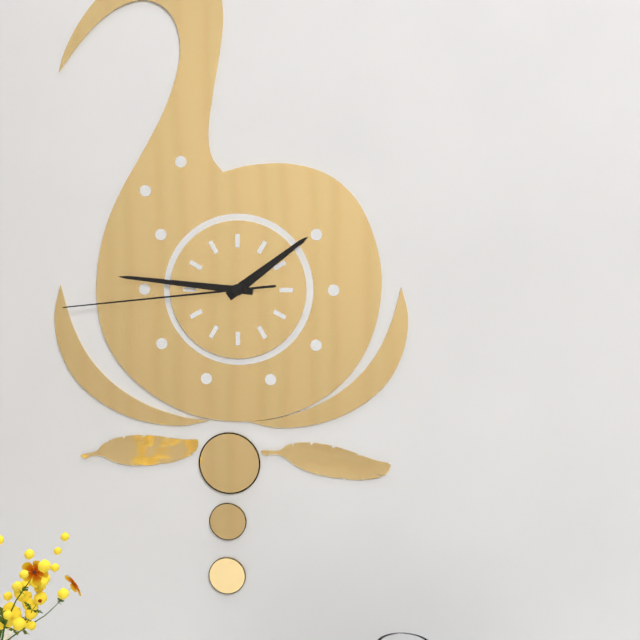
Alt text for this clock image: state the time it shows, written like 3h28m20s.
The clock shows 1h46m44s
